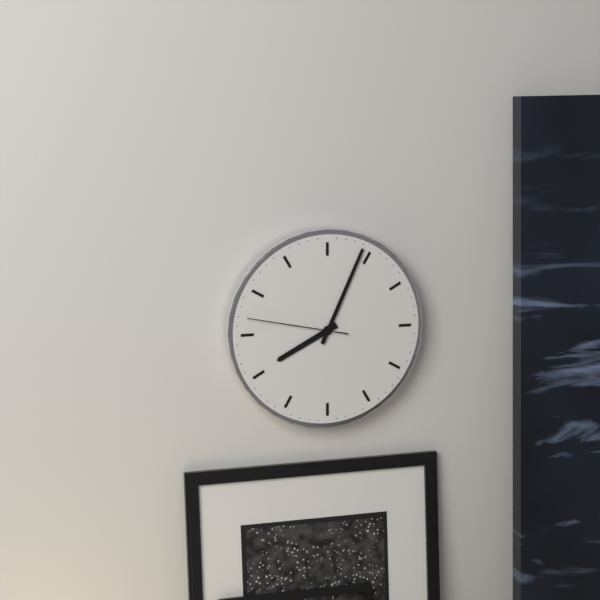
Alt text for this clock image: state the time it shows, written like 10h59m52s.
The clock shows 8h04m47s
